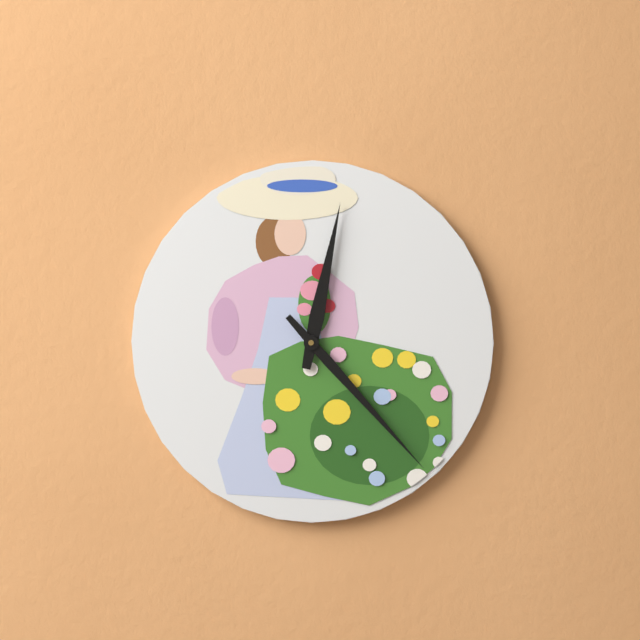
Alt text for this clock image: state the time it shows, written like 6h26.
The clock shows 12h23
